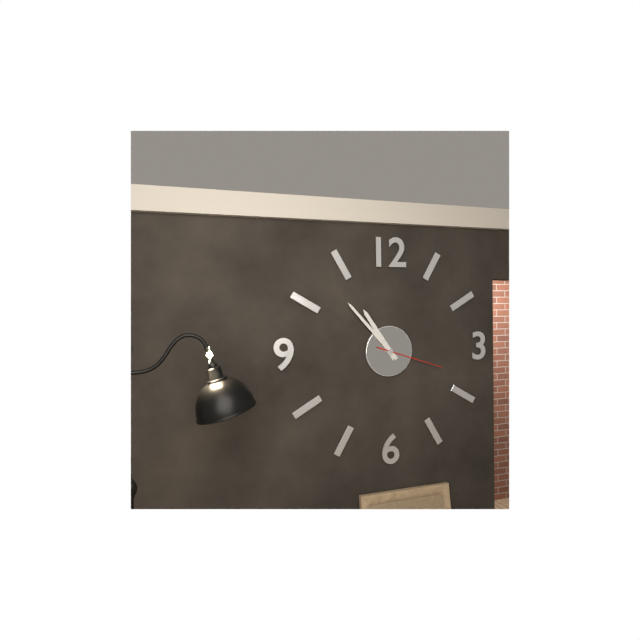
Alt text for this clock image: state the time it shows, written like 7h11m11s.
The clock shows 10h53m18s
